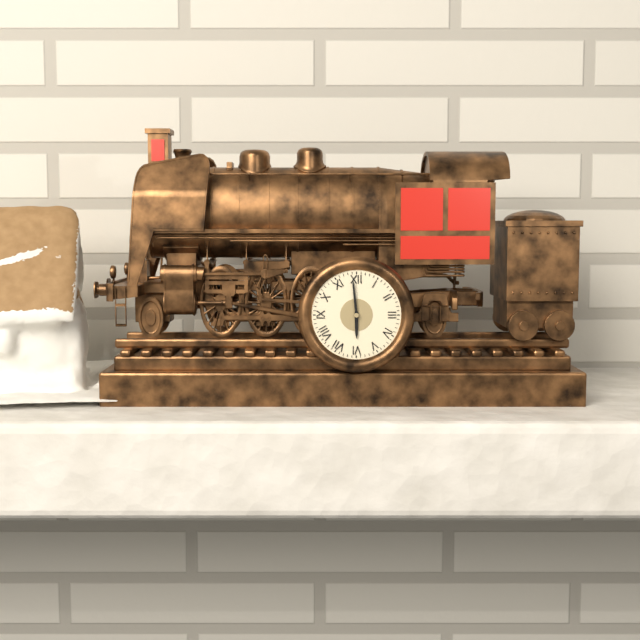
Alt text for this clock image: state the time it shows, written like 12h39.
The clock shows 5h59
